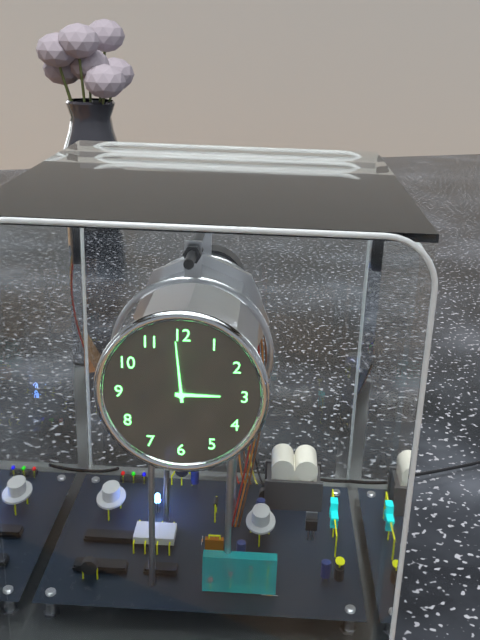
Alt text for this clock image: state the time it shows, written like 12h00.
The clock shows 2h59
